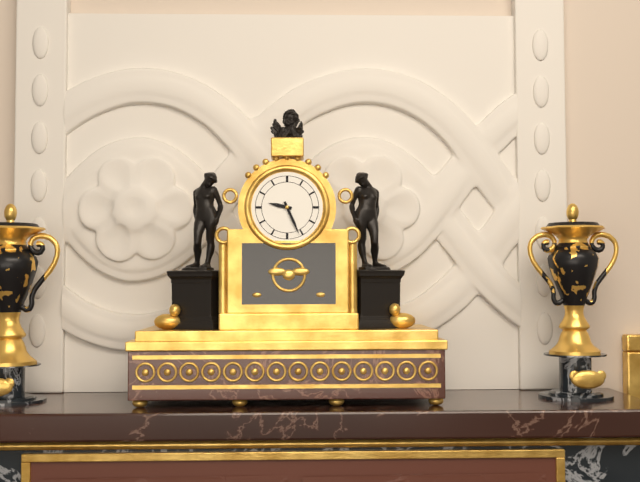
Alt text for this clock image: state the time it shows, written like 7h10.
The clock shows 9h26
